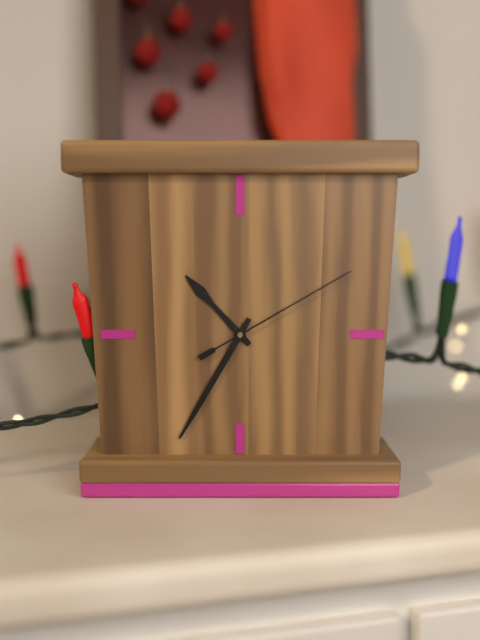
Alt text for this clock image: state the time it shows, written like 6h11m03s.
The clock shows 10h35m10s
